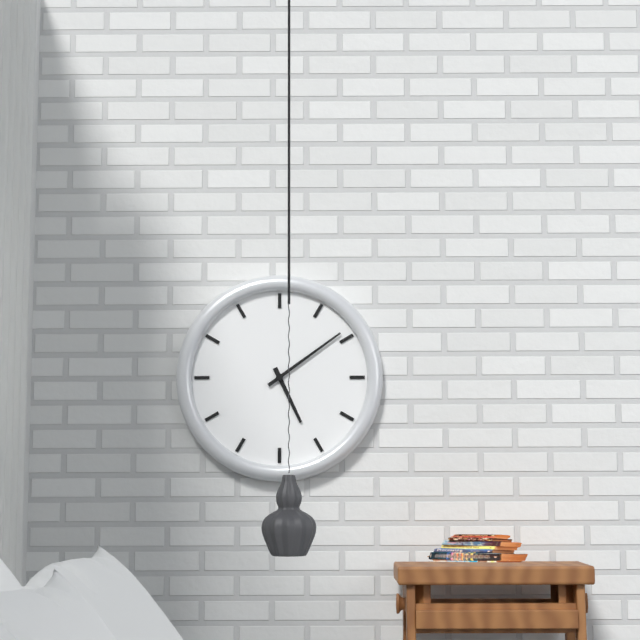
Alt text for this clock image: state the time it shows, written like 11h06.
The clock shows 5h09
